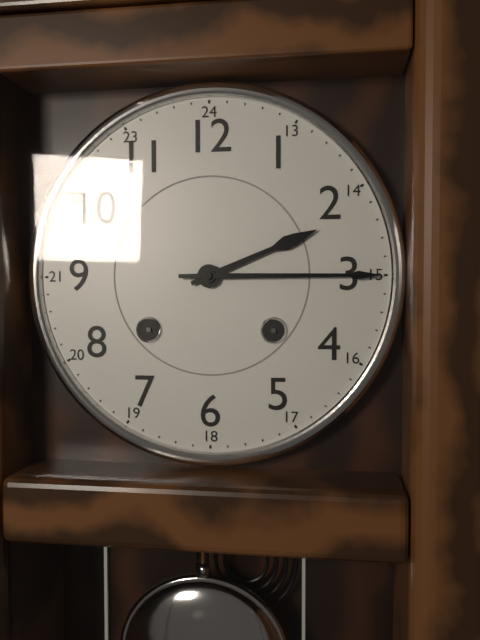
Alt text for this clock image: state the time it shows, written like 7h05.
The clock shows 2h15
